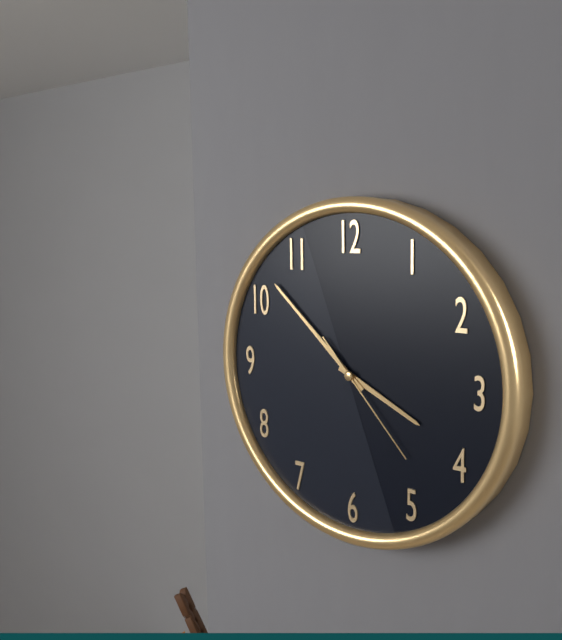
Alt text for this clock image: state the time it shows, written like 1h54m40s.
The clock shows 3h52m23s
